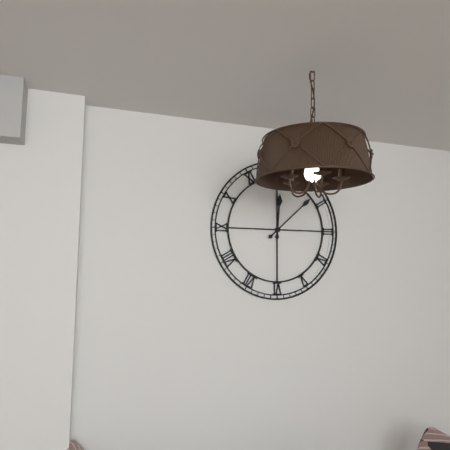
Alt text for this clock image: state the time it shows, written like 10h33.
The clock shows 12h08
